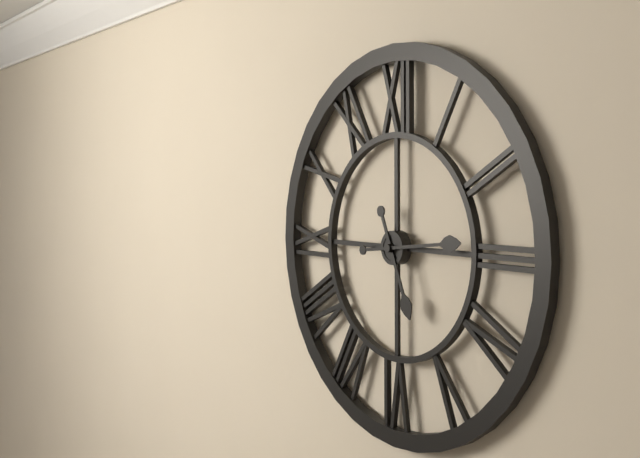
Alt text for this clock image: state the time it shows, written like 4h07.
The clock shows 5h14
